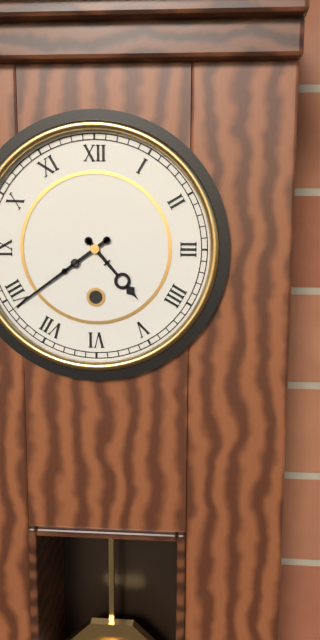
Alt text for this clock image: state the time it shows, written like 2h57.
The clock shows 4h39
